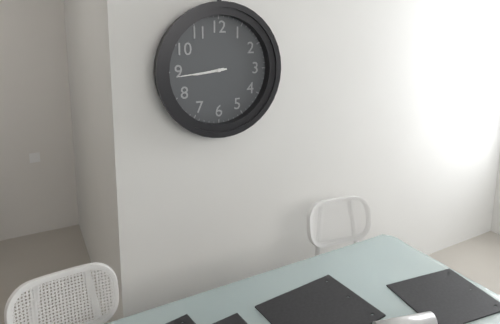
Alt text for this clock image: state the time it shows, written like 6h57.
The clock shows 8h44
